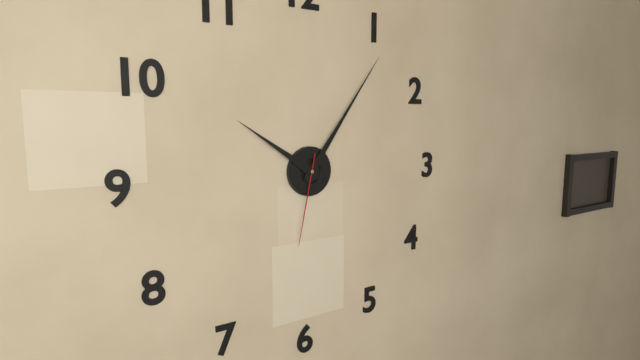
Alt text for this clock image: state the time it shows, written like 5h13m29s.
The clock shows 10h06m32s
